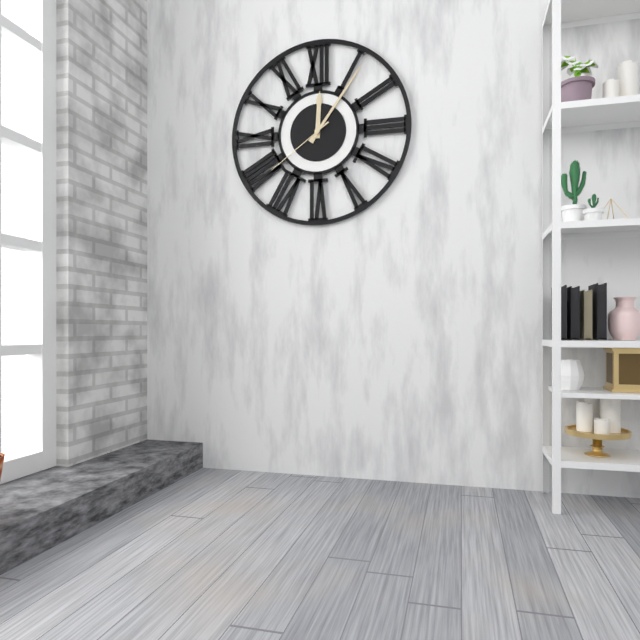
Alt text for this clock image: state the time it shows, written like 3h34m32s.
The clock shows 12h06m39s
